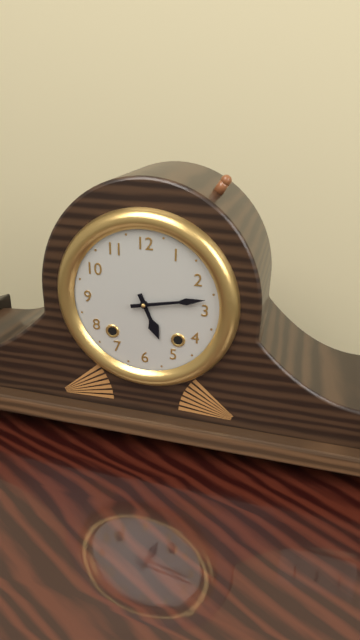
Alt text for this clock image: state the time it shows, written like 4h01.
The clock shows 5h13
